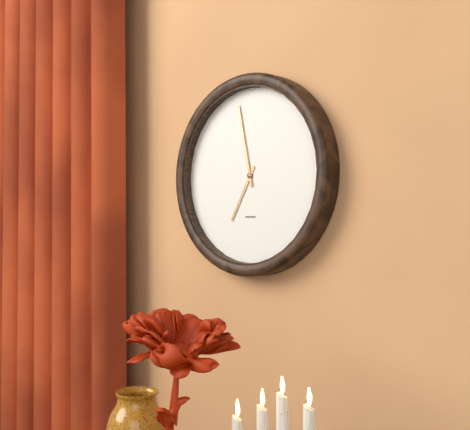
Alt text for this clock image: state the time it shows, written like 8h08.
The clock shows 6h58
